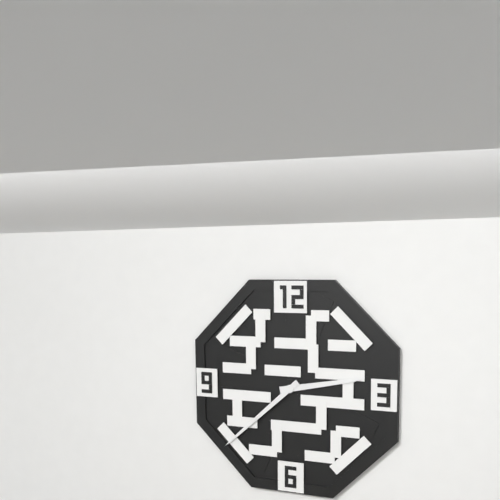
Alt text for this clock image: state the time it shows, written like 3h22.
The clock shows 2h38
